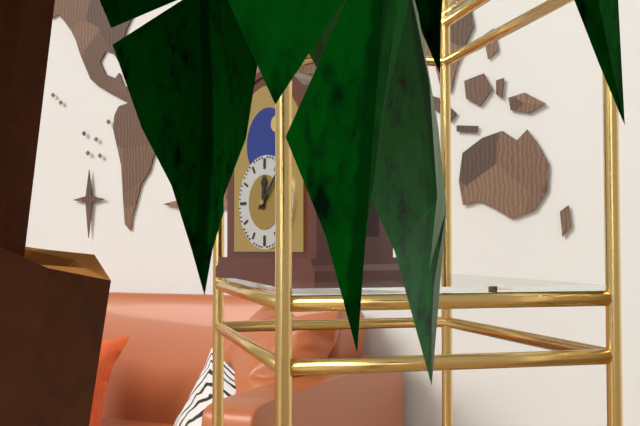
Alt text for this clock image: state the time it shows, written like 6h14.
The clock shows 12h07
